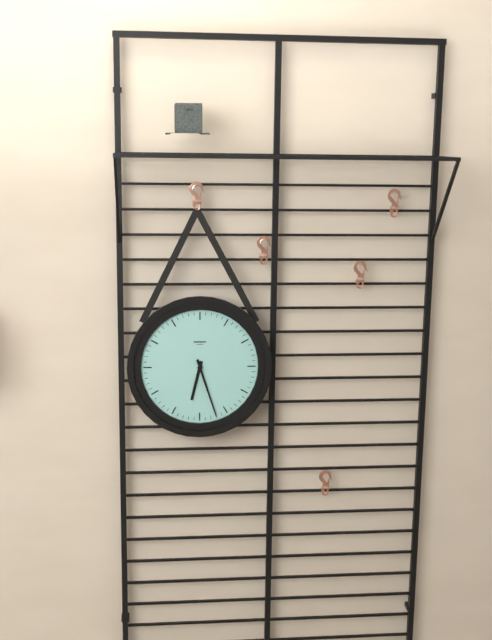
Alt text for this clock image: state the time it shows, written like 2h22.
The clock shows 6h27
